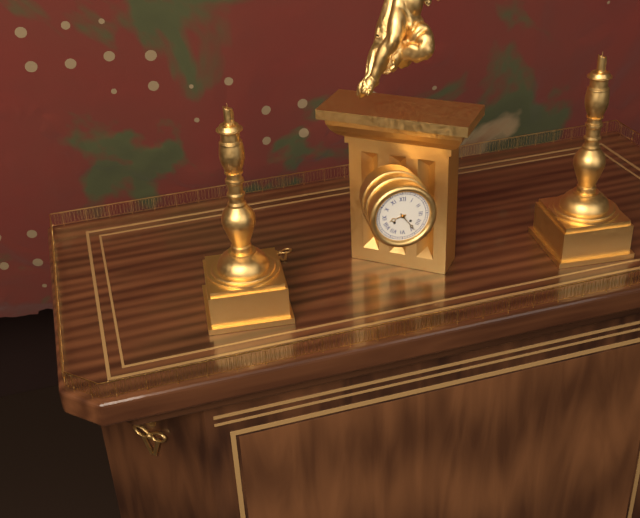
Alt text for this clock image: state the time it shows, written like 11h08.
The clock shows 8h24
